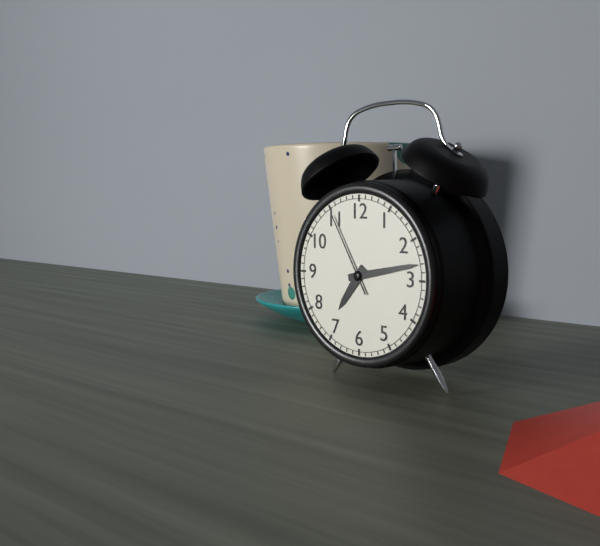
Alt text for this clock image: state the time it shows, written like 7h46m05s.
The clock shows 7h13m55s
